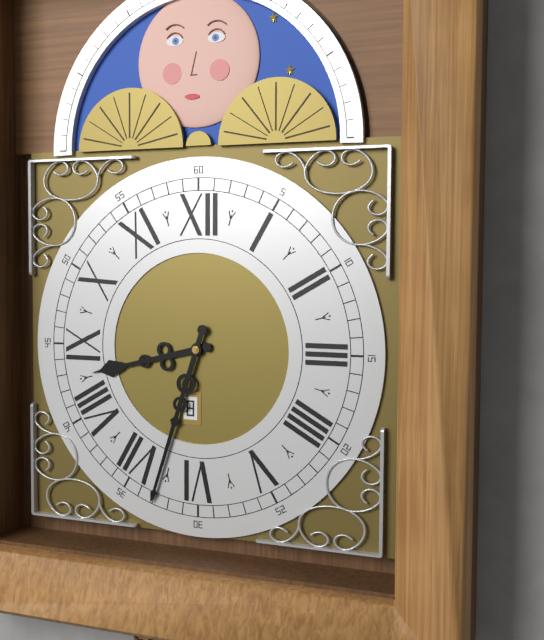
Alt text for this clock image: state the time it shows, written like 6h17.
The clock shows 8h33
